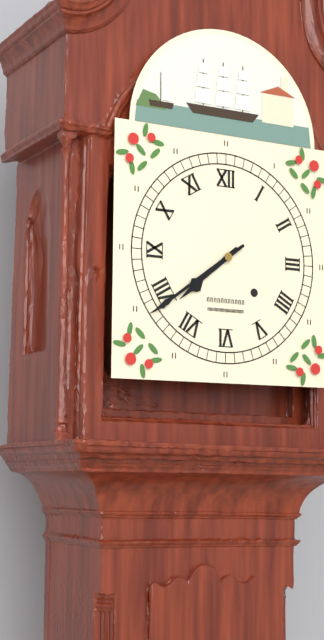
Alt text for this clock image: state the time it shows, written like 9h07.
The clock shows 7h39
